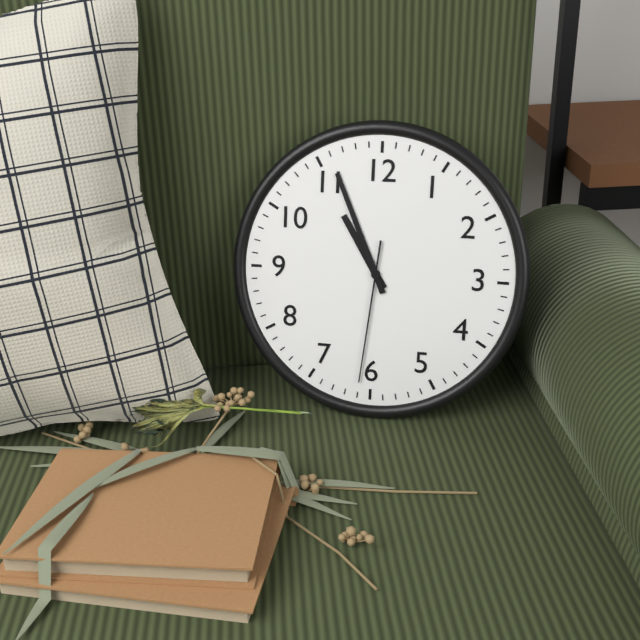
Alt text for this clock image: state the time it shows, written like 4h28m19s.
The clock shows 10h56m31s
